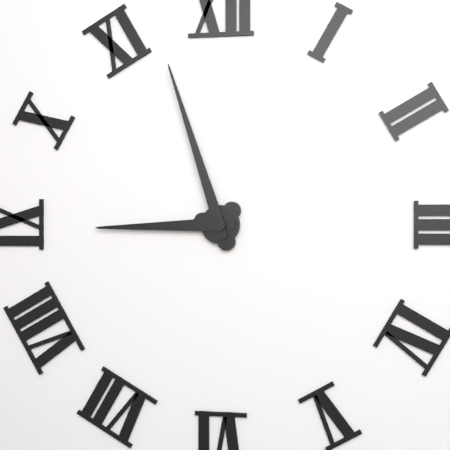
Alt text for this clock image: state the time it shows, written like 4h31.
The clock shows 8h57
